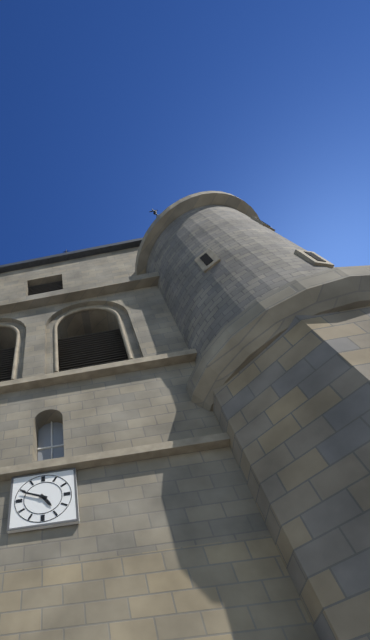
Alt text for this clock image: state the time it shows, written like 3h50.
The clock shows 4h49
